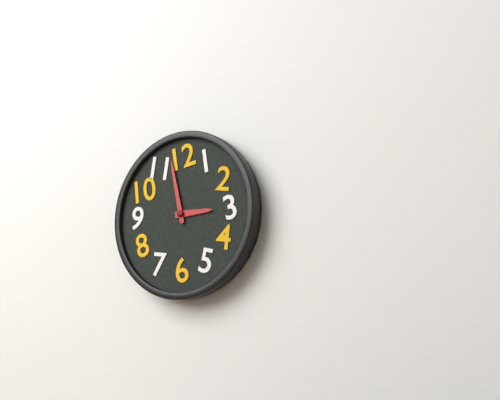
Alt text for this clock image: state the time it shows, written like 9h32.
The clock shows 2h58
